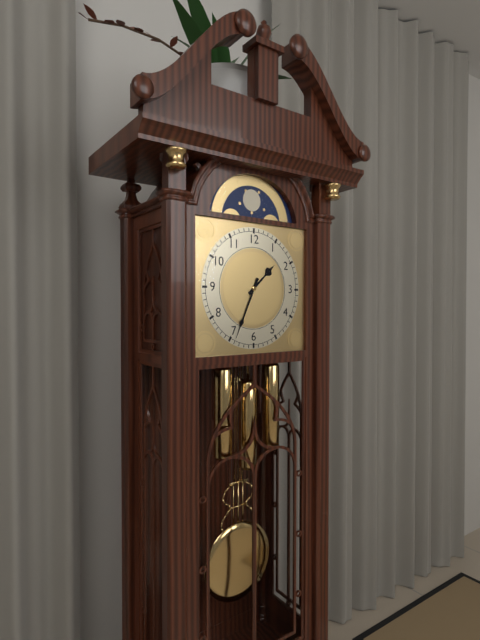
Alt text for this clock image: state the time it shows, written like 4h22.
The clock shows 1h34
